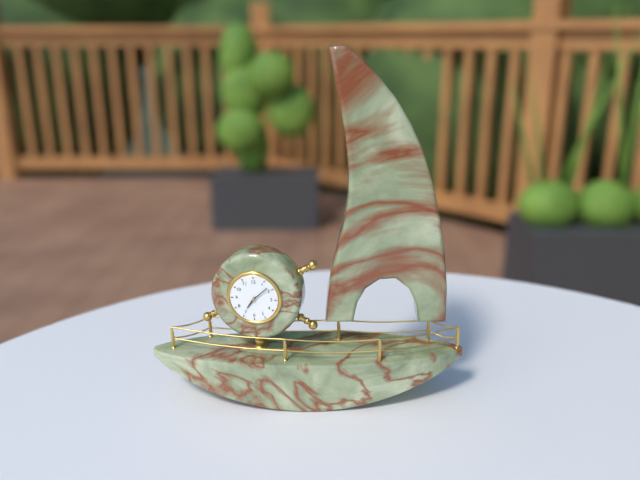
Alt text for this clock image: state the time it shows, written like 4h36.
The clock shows 7h08
